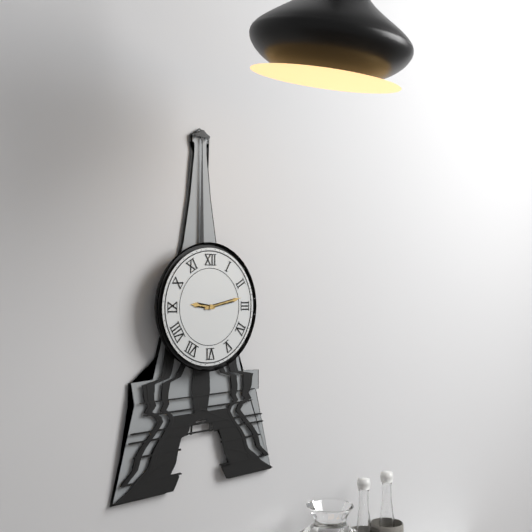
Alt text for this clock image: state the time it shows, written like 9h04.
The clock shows 9h13
